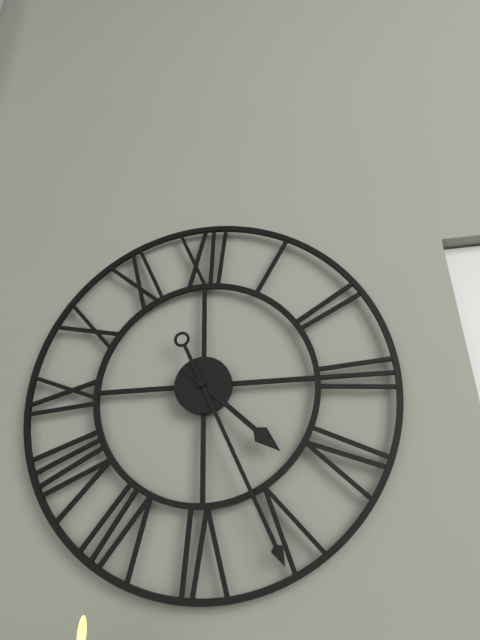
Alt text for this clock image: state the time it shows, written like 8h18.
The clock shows 4h26
